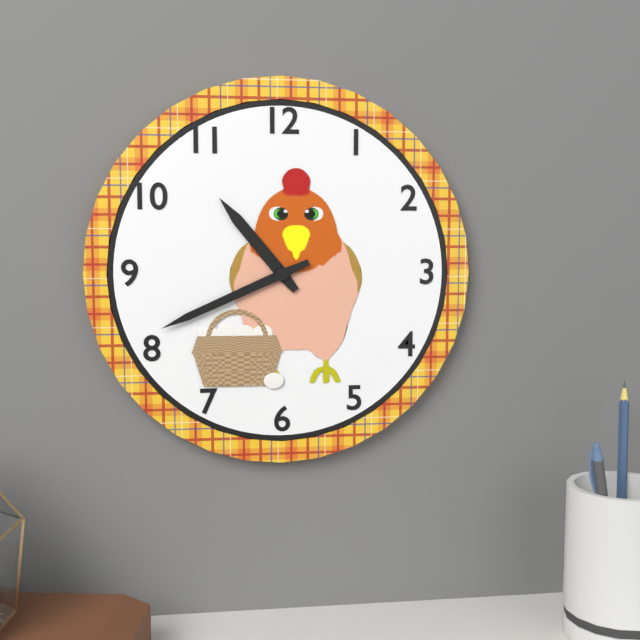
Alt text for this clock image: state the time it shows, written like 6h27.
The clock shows 10h41
